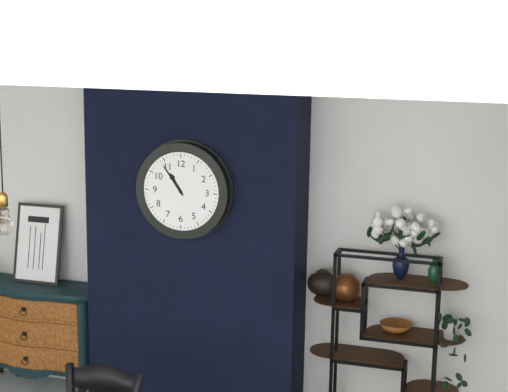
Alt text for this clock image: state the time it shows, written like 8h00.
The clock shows 10h54
